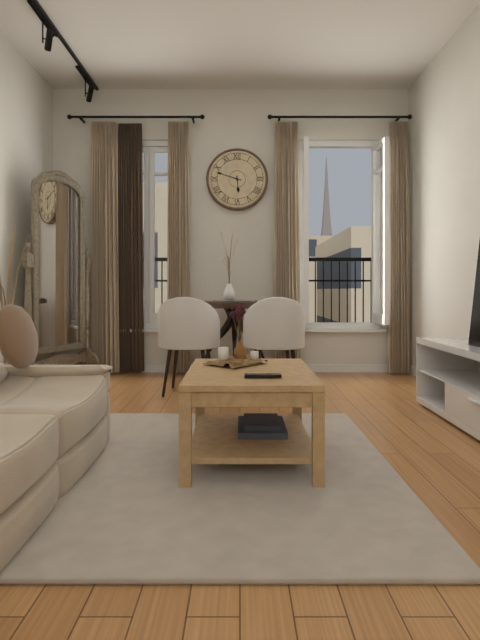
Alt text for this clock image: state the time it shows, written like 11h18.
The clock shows 5h48
